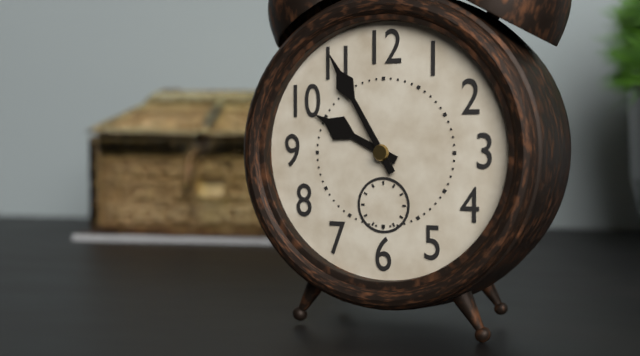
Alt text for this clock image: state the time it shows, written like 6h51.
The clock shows 9h55
